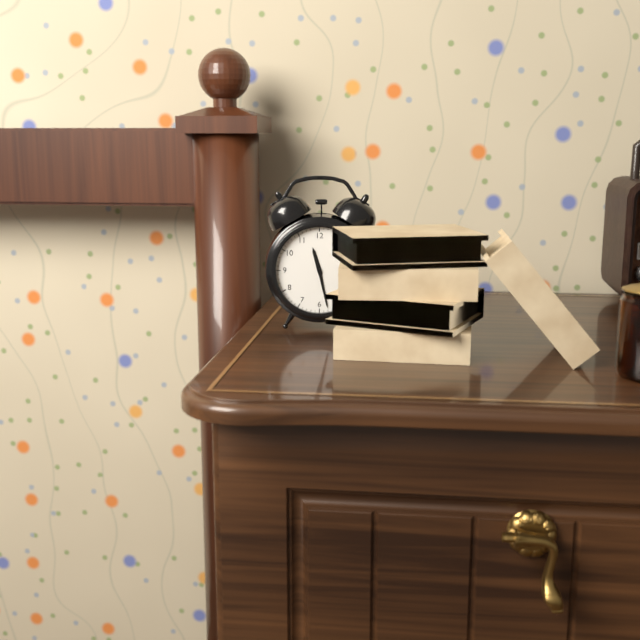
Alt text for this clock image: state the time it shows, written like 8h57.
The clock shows 11h28
